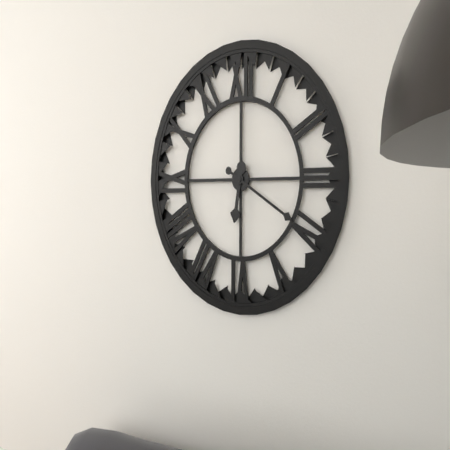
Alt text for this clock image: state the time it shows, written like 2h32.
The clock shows 6h20
